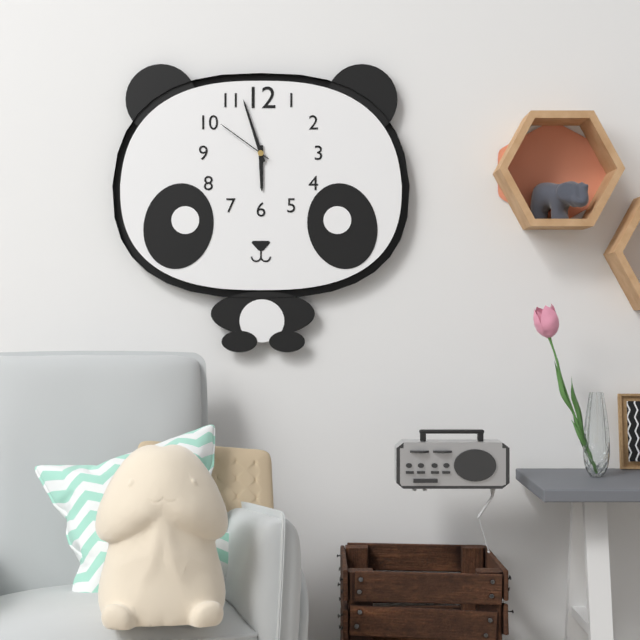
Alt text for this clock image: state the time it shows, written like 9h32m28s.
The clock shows 5h57m51s
